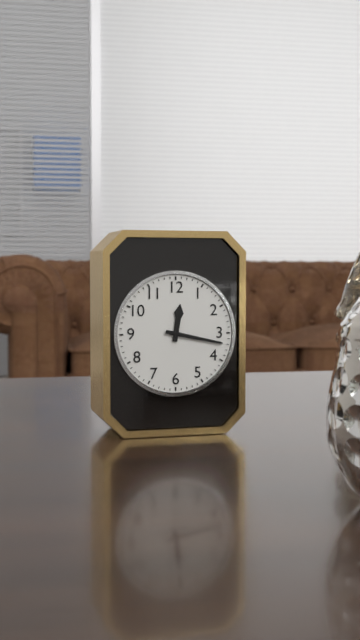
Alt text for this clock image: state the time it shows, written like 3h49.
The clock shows 12h17
